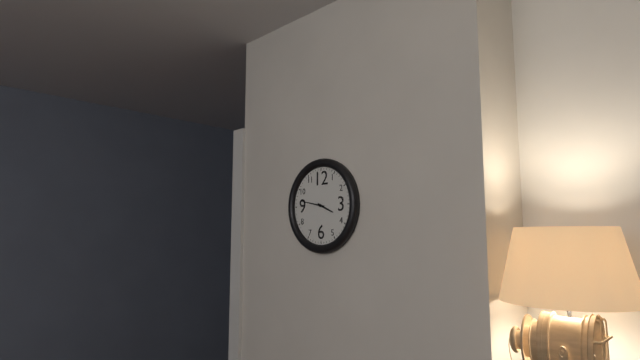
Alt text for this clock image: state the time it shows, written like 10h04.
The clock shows 3h47
